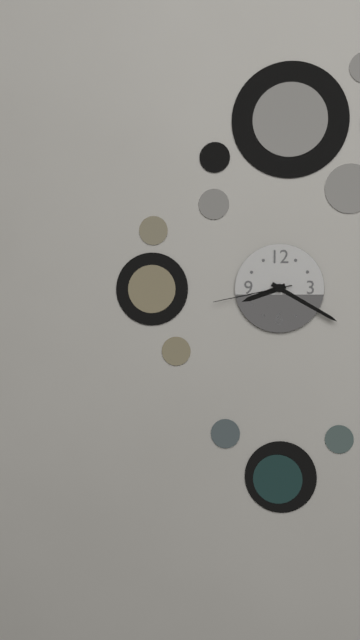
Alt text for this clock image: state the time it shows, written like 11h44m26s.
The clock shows 8h20m43s
